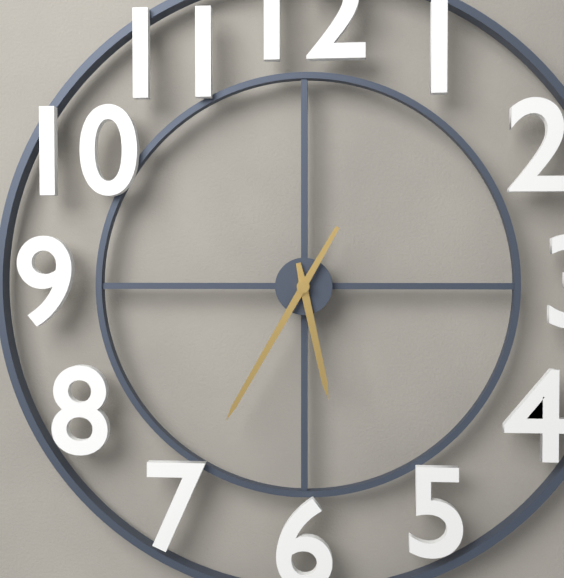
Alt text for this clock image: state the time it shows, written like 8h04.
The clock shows 5h35
